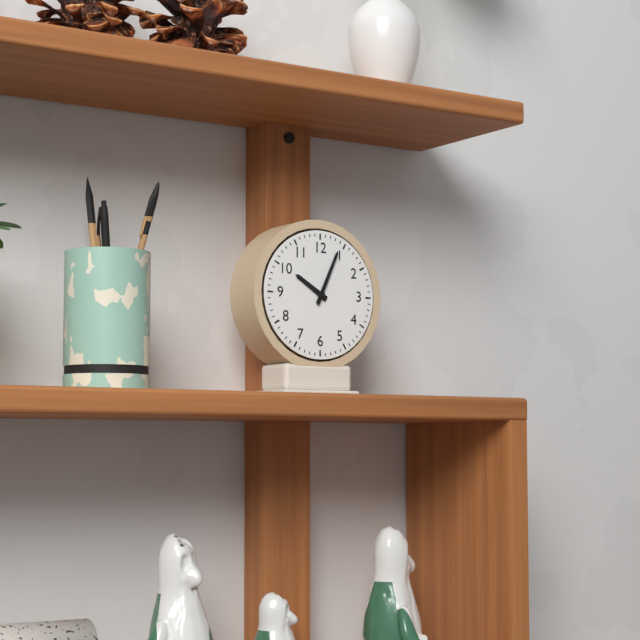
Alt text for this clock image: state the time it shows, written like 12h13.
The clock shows 10h04
